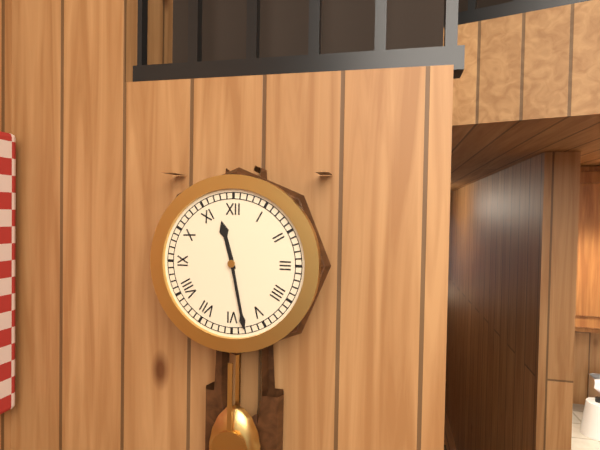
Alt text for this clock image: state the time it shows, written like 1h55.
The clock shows 11h28
